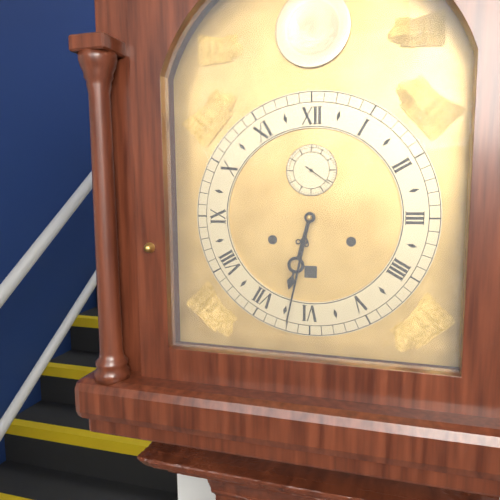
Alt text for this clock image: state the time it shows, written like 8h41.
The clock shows 6h32
